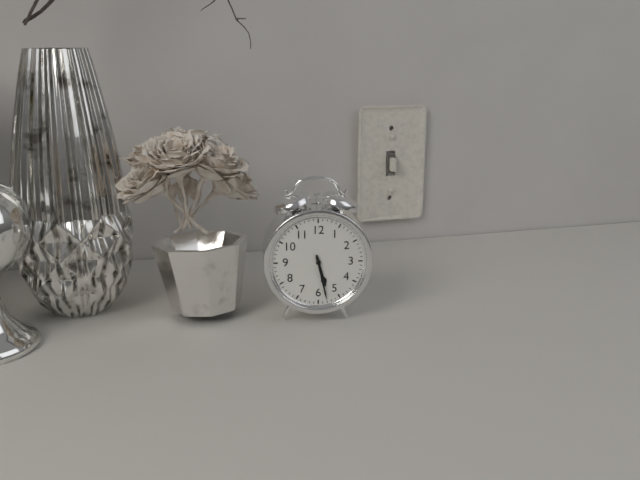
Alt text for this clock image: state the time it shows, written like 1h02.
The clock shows 5h28
